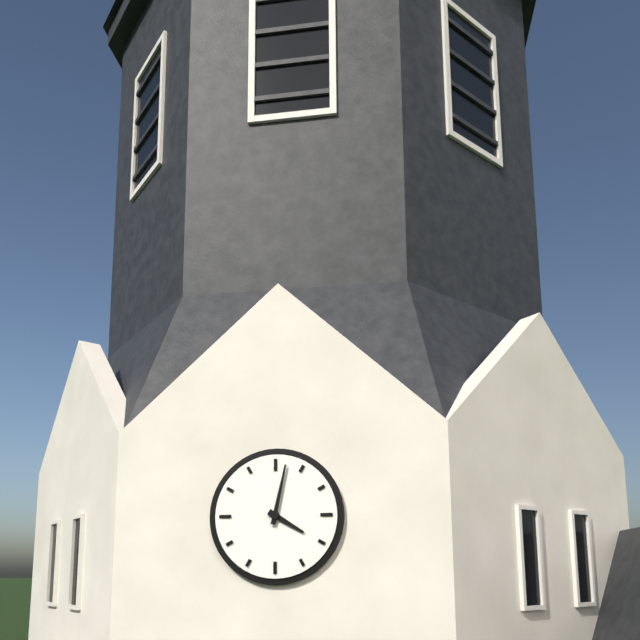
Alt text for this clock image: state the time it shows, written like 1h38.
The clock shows 4h02
